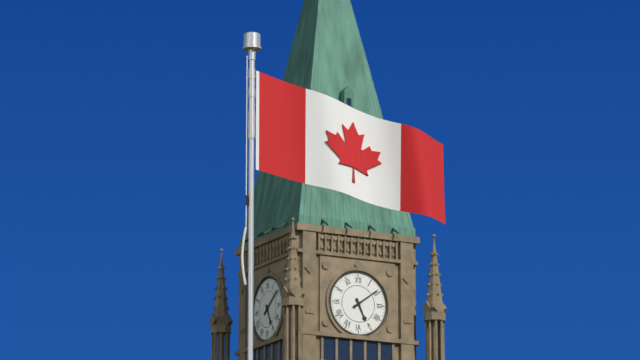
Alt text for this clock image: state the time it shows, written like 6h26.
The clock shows 5h09
